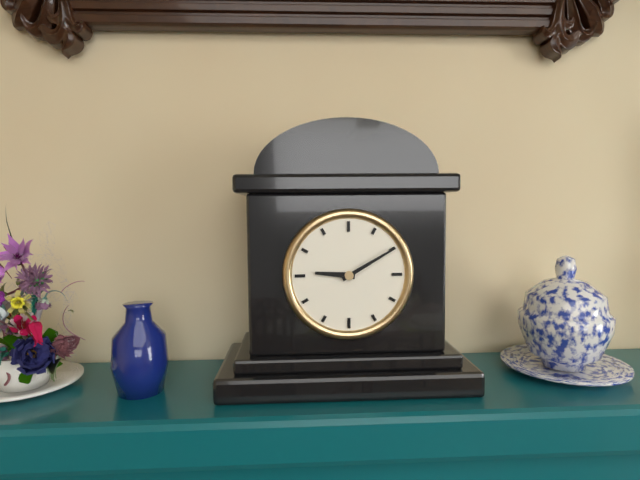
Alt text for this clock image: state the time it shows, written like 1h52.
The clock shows 9h10
